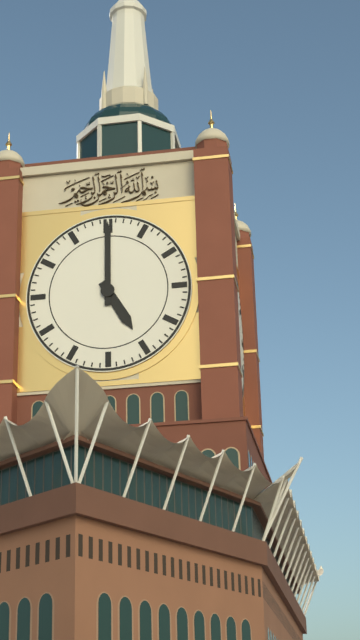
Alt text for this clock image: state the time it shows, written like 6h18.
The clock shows 5h00
